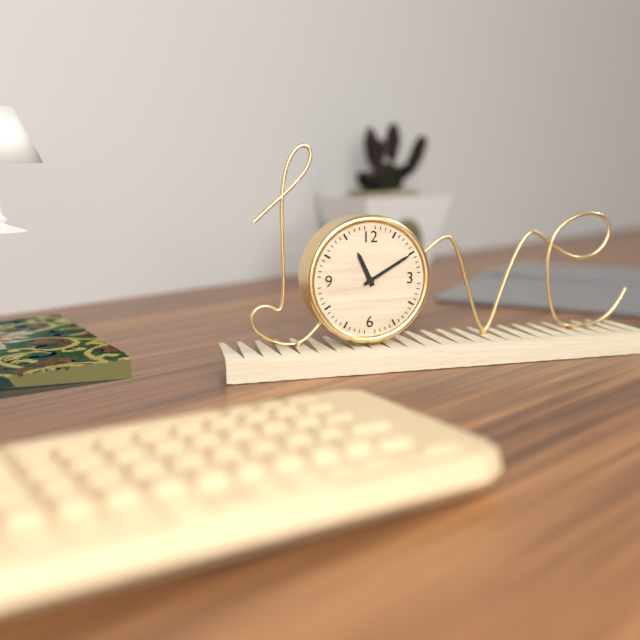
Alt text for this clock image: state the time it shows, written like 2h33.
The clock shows 11h10
